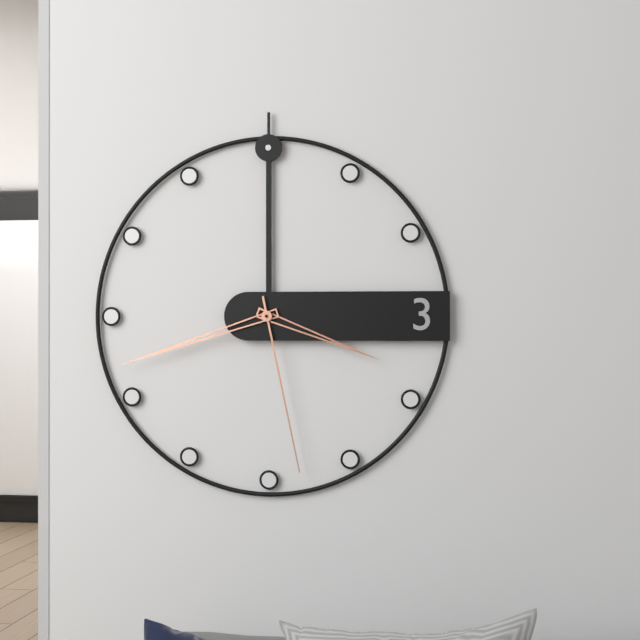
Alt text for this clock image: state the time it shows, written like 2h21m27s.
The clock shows 3h42m28s
